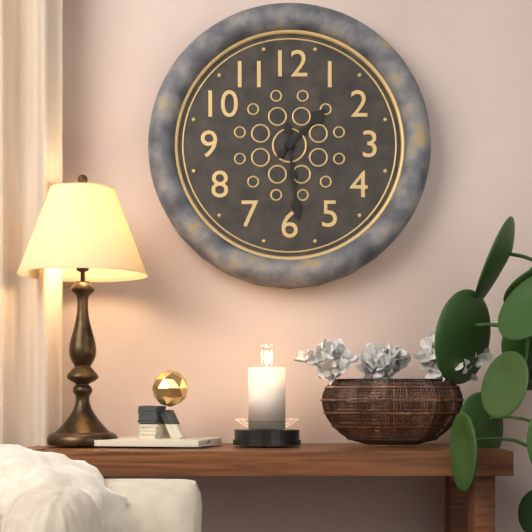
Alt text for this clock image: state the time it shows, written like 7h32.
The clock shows 1h29
